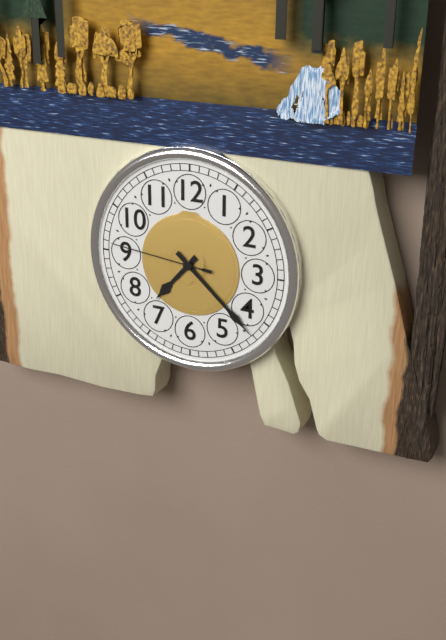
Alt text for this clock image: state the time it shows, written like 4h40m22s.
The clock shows 7h22m46s
